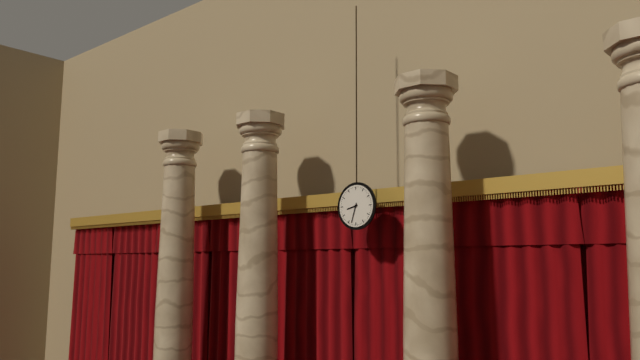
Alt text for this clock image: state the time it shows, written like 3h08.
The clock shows 8h33
